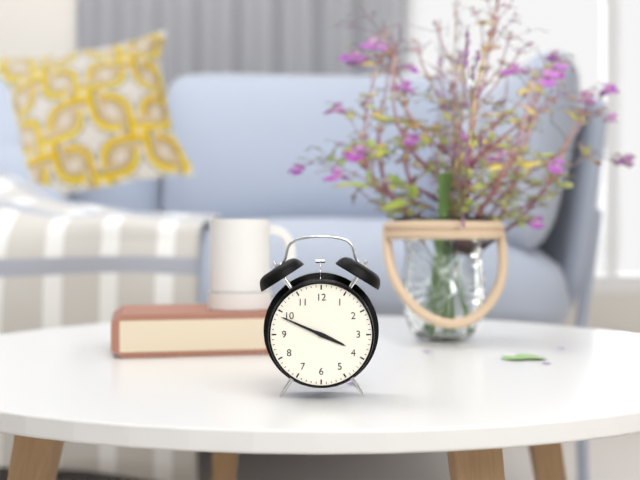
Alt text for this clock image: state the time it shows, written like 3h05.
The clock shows 3h49
